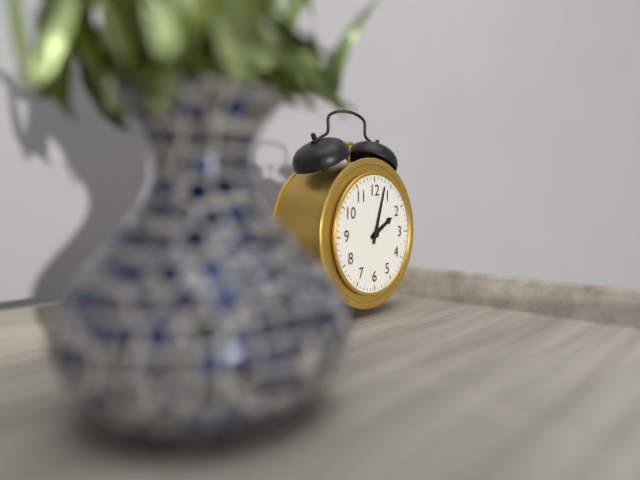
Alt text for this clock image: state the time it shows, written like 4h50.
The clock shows 2h03
